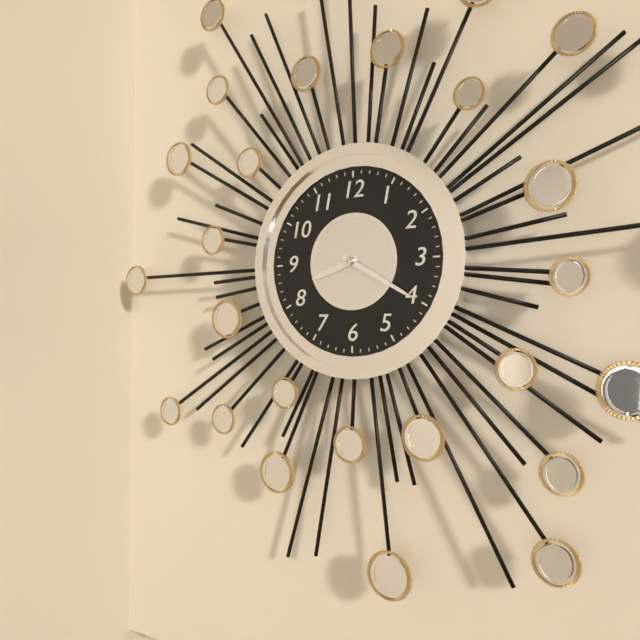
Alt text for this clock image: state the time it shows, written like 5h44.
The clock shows 8h20
